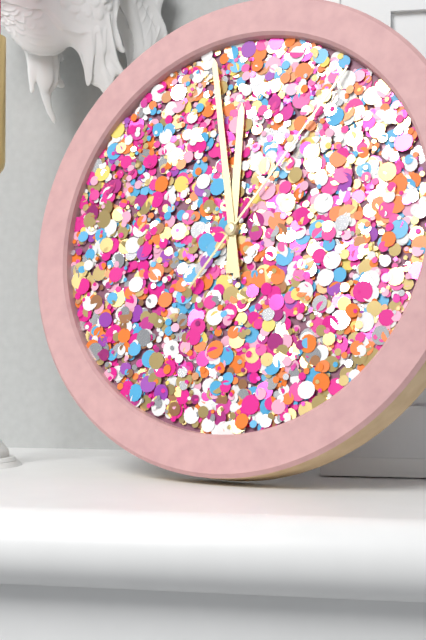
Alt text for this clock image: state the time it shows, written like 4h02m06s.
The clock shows 11h58m06s
